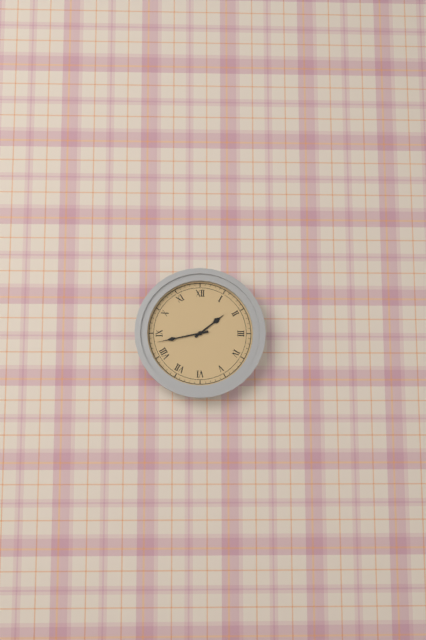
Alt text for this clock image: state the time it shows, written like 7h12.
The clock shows 1h43
